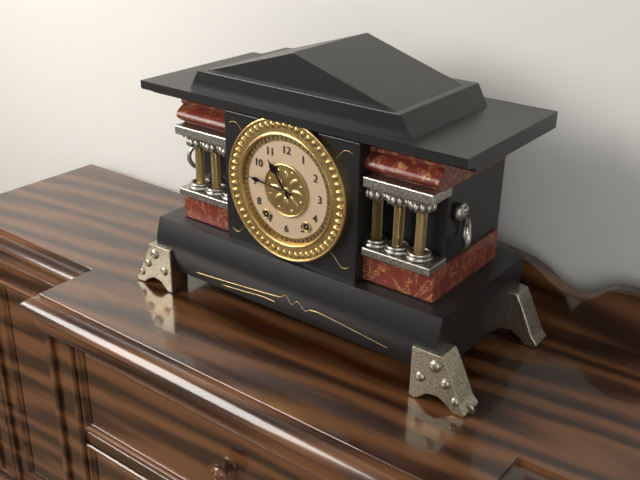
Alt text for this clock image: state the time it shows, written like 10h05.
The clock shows 10h46
